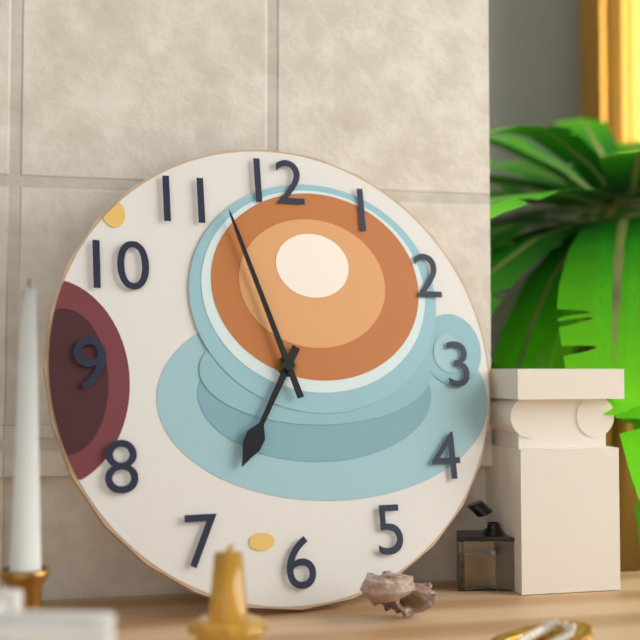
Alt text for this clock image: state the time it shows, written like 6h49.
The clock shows 6h57
